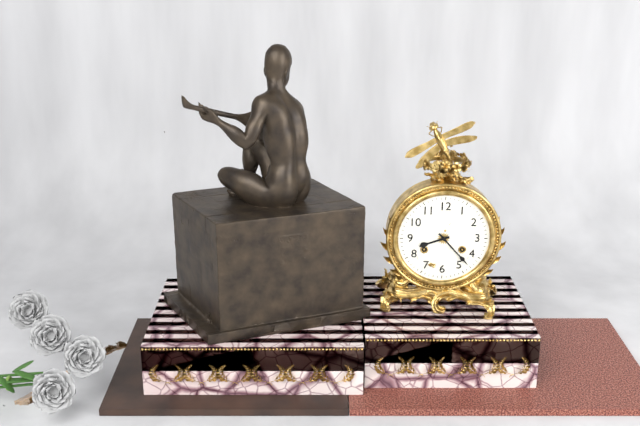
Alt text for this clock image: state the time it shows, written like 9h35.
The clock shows 8h23
